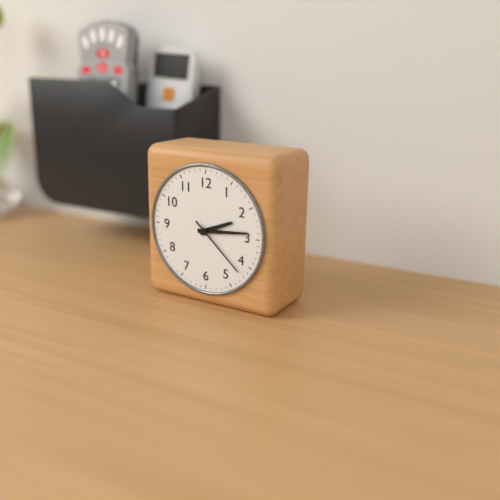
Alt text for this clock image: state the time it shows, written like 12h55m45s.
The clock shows 2h14m22s
